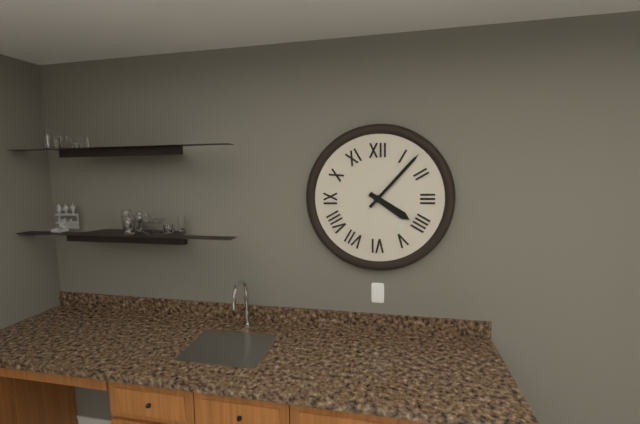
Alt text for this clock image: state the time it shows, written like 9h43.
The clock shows 4h07
